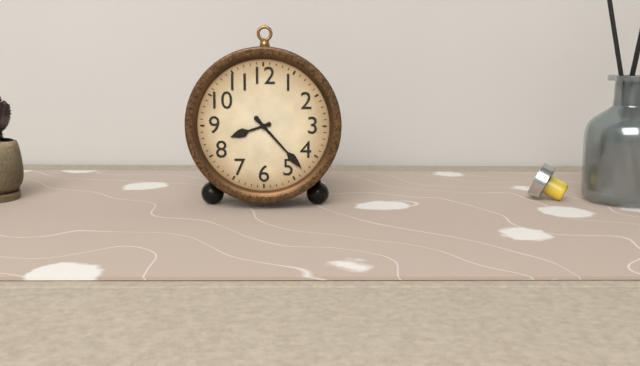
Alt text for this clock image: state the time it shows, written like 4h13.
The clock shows 8h23
